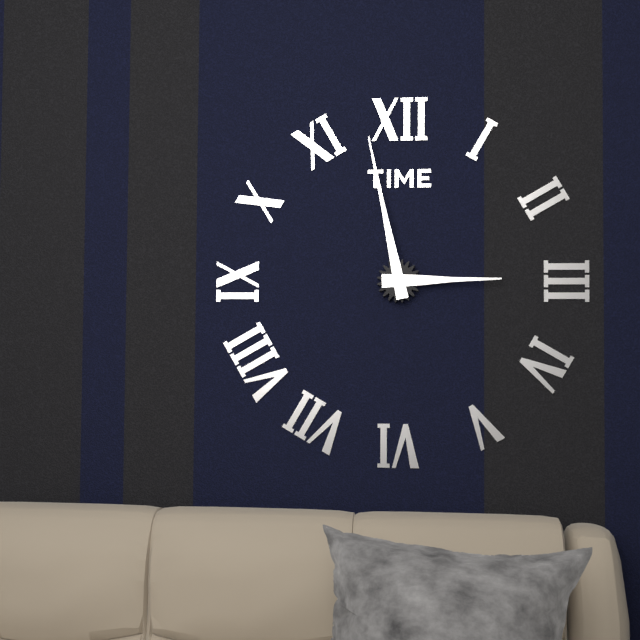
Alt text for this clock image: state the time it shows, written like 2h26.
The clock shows 2h58
